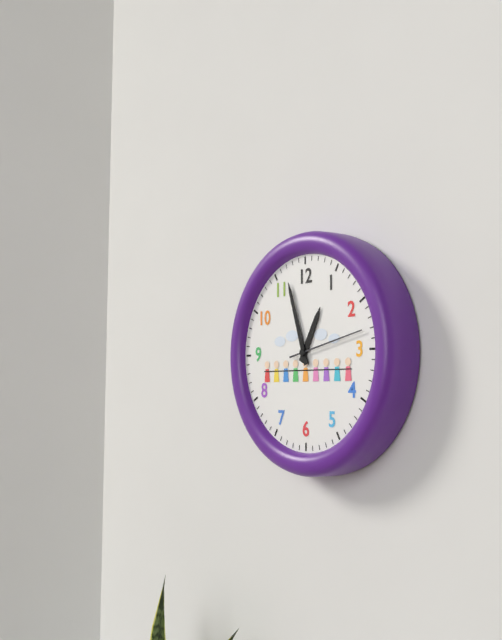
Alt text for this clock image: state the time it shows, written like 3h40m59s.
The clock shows 12h57m13s
